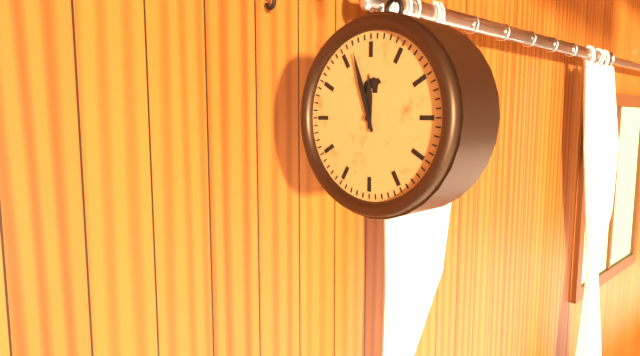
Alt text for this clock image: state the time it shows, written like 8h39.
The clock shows 11h57
